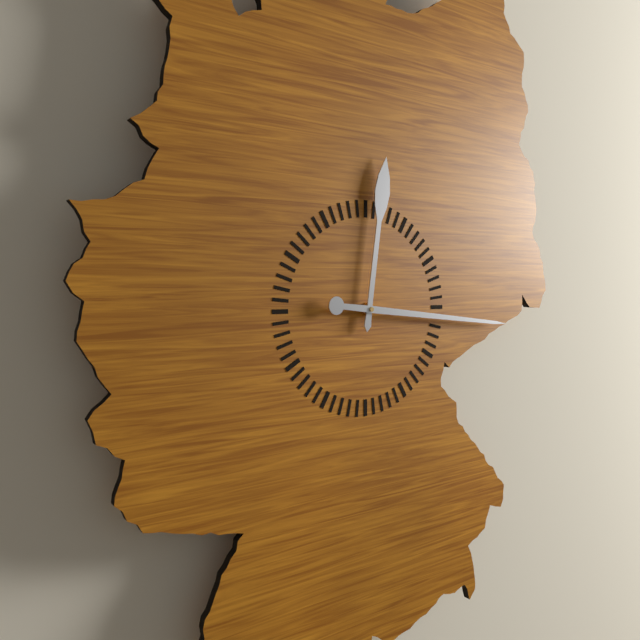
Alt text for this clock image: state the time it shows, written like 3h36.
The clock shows 12h16
